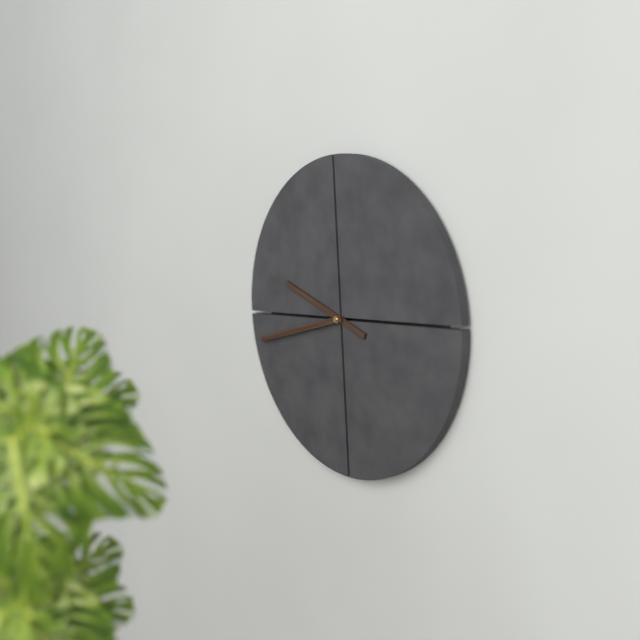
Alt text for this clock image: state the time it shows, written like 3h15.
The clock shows 9h43
